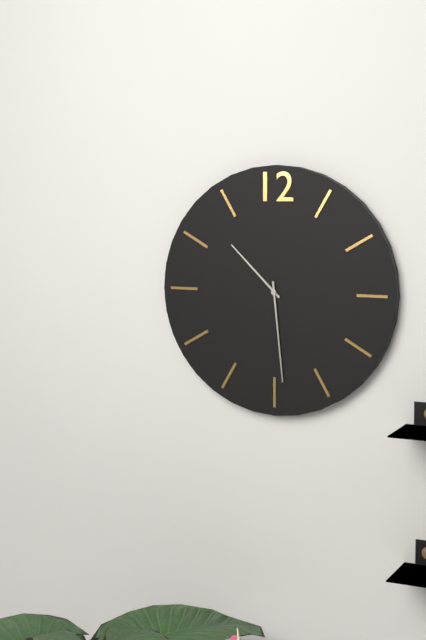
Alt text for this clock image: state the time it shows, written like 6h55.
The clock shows 10h29
